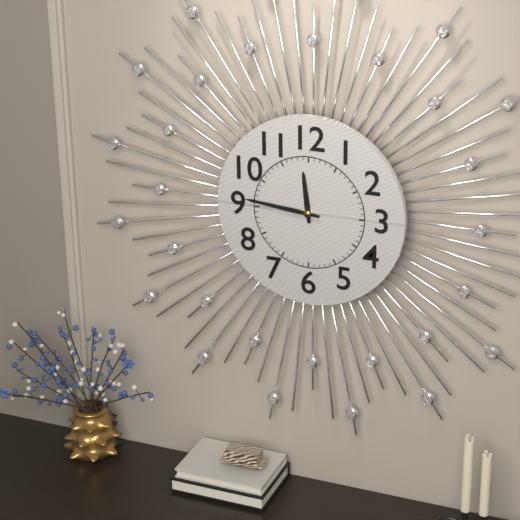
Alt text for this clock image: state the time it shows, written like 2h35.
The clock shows 11h46
